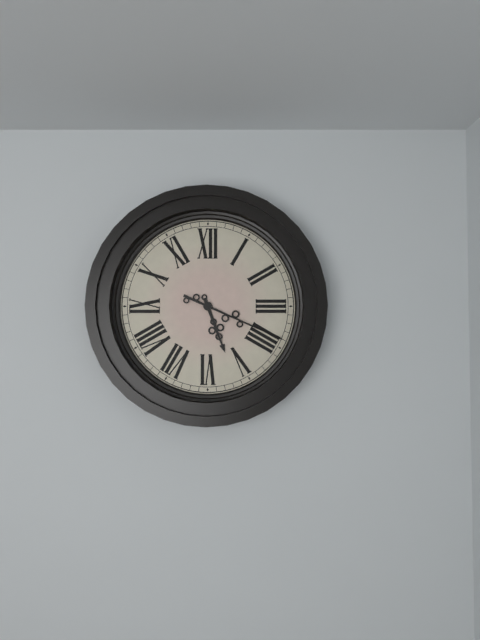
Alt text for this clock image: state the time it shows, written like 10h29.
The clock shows 5h19
